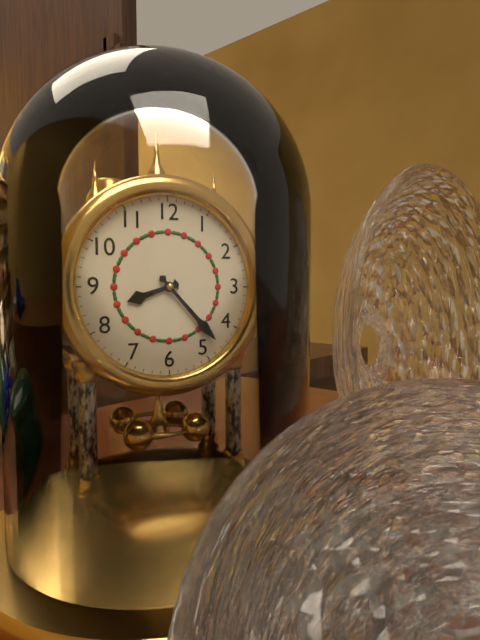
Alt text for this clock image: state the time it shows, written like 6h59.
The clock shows 8h23
